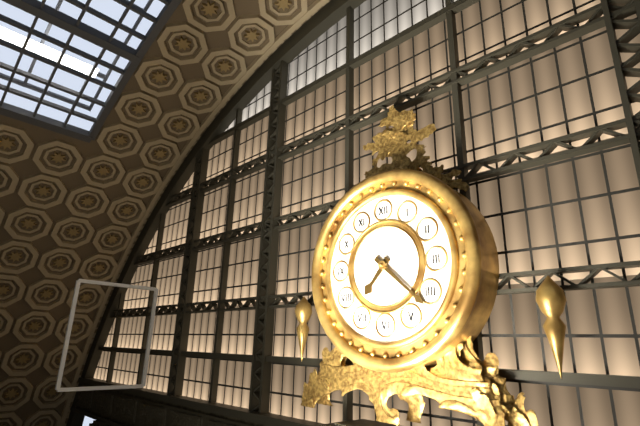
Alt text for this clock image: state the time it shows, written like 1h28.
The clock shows 7h22
